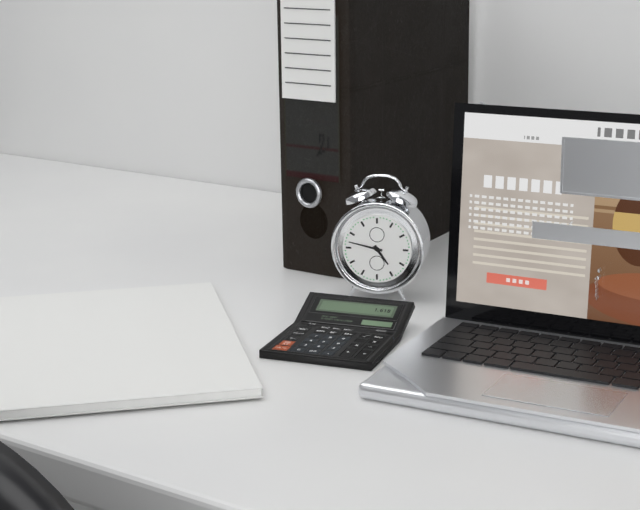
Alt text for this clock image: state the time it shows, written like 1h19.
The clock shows 4h47
